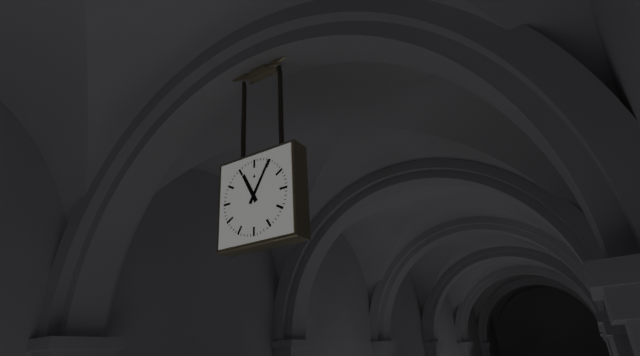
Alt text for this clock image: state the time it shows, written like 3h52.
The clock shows 11h05
